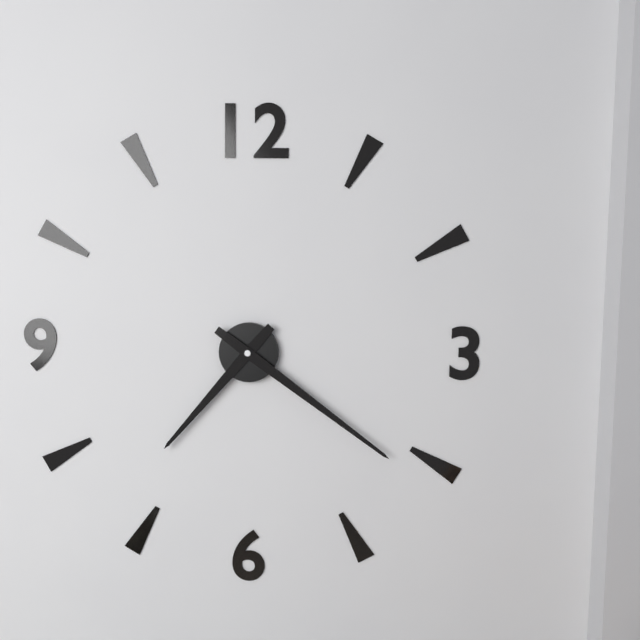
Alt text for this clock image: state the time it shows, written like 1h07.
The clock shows 7h21
